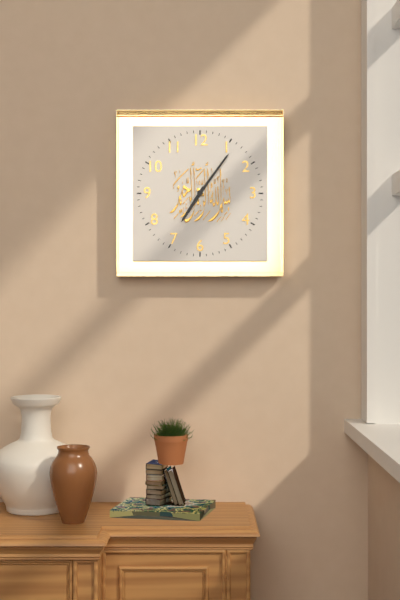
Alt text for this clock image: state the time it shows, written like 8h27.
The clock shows 7h06
